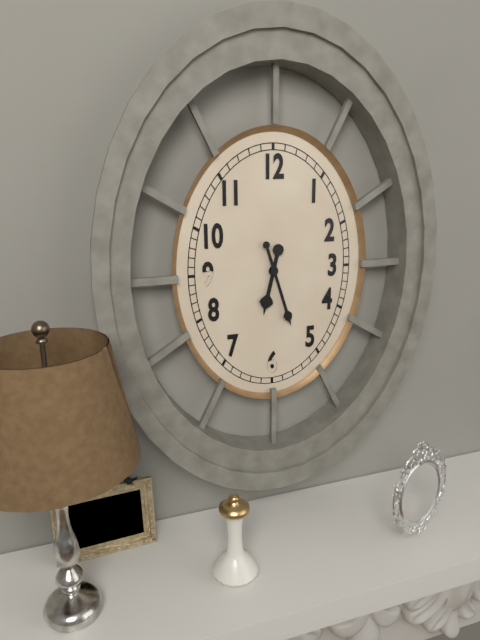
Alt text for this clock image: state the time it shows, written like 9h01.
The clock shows 6h27
